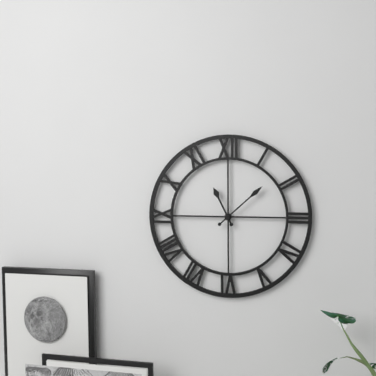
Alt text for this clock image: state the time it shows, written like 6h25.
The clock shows 11h08
